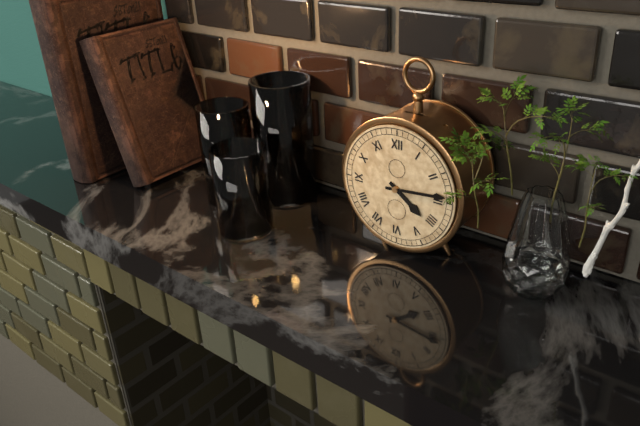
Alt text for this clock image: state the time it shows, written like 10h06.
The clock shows 4h14
